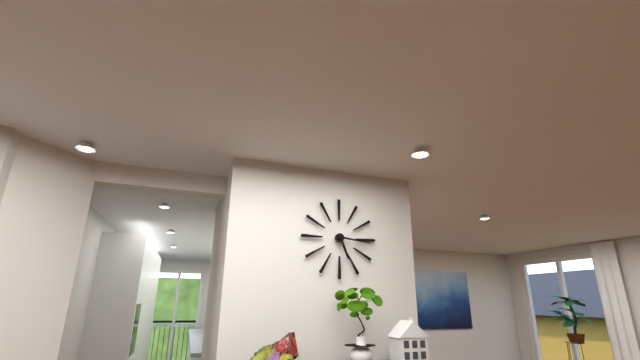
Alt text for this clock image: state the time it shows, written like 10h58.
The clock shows 5h16
